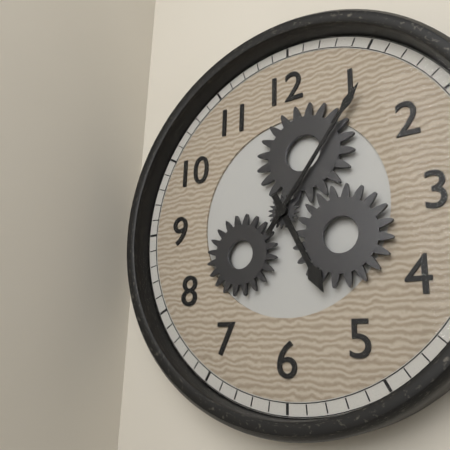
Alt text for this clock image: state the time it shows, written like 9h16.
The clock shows 5h06
